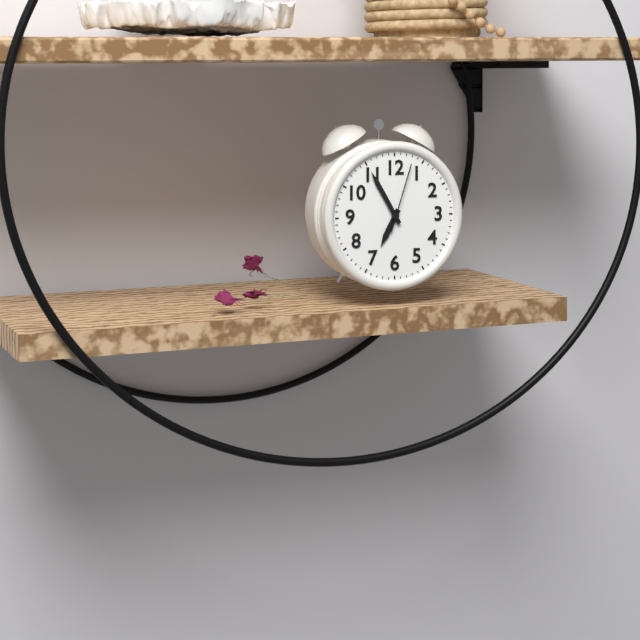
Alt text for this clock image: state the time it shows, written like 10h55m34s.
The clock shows 6h55m03s
